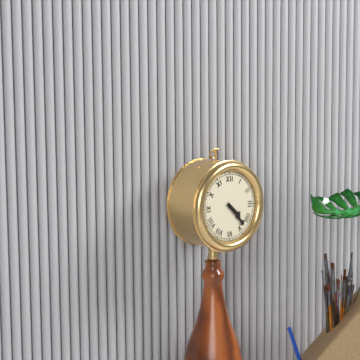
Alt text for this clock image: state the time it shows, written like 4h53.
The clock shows 4h23
